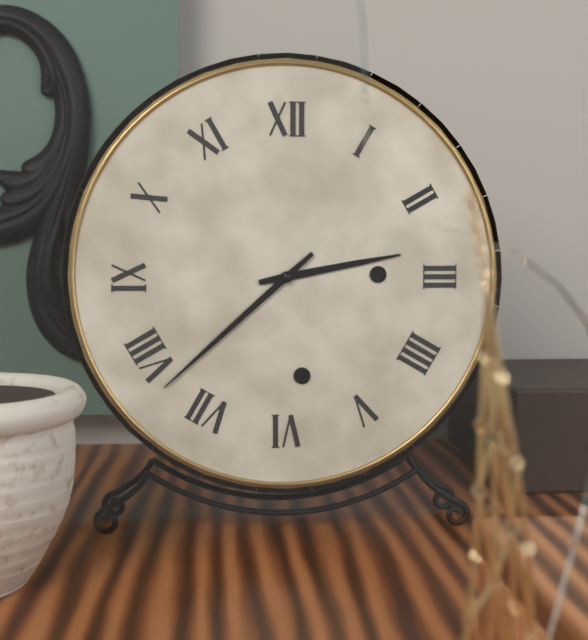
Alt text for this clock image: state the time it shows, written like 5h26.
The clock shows 2h38
